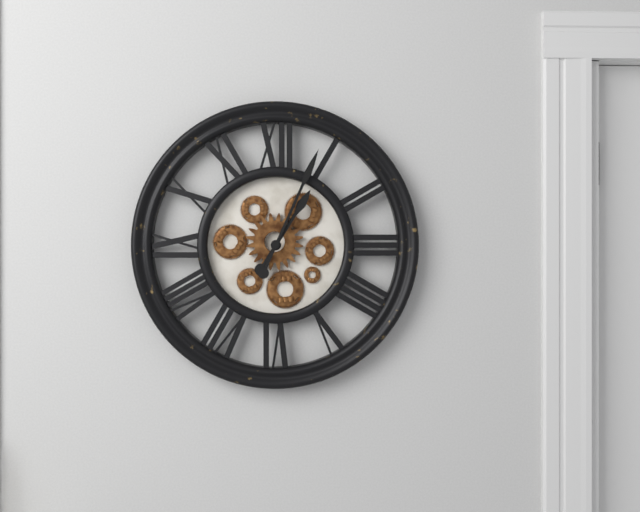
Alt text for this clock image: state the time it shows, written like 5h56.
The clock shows 1h04
